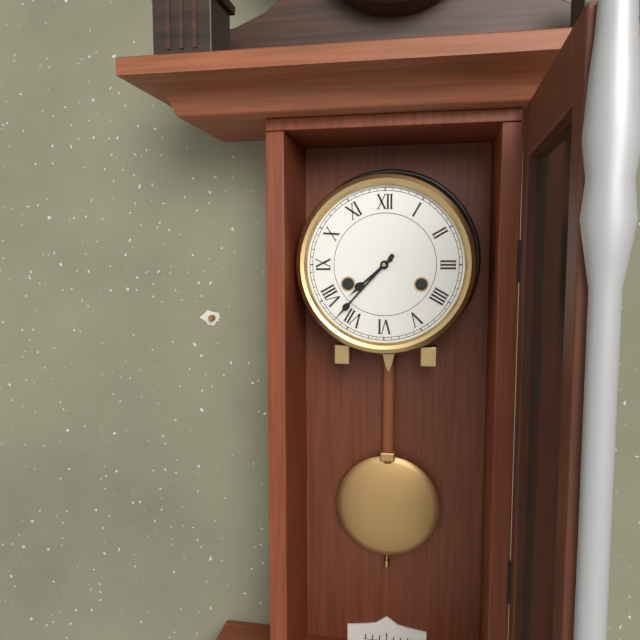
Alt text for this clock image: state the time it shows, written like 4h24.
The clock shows 7h37
